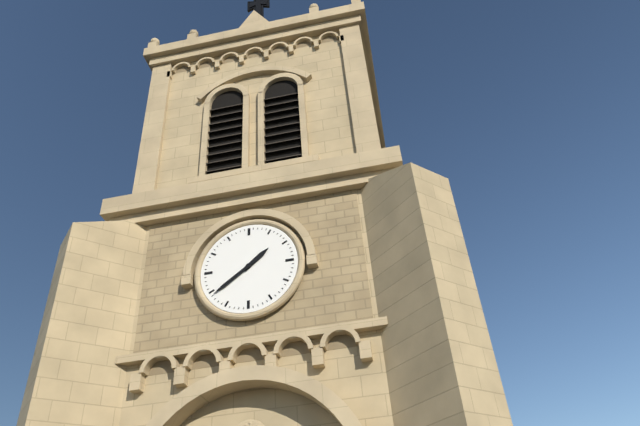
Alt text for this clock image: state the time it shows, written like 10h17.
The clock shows 1h39
